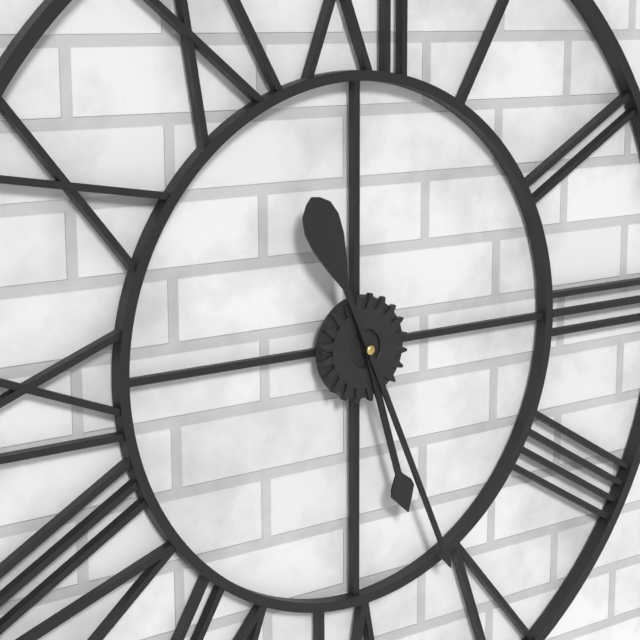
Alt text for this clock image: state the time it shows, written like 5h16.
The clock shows 5h26
